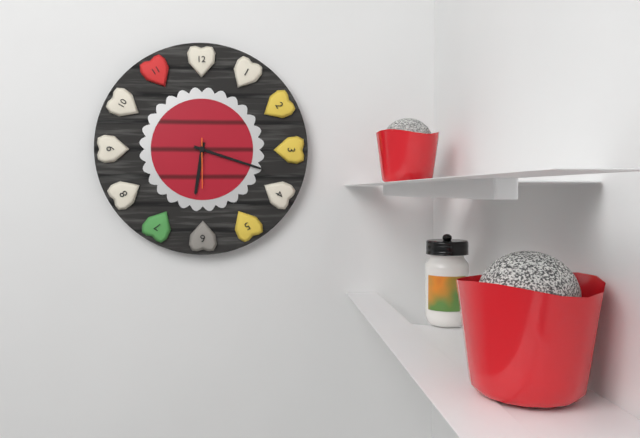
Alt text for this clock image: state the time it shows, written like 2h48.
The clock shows 6h18
